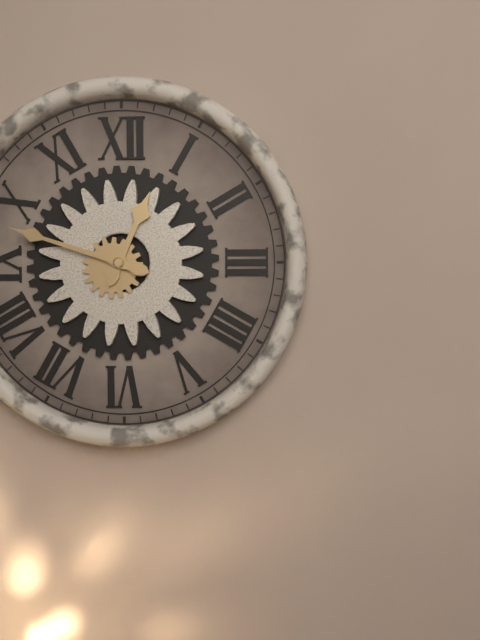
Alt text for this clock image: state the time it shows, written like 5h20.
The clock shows 12h48
